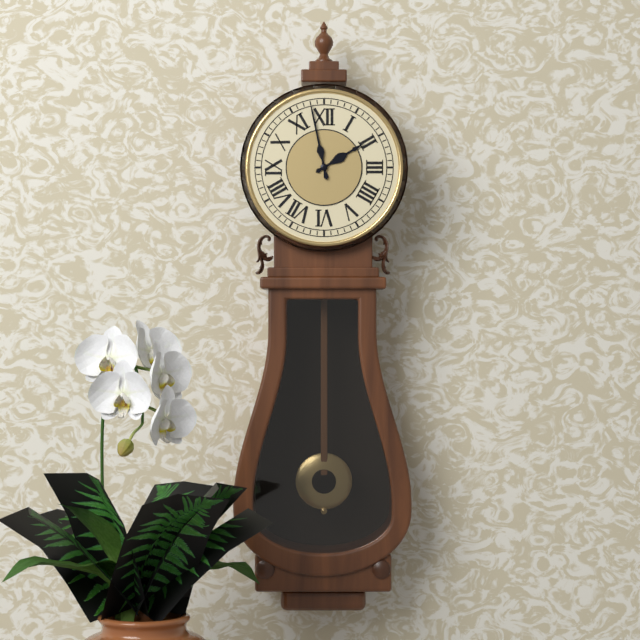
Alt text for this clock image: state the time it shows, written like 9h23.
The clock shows 1h58
